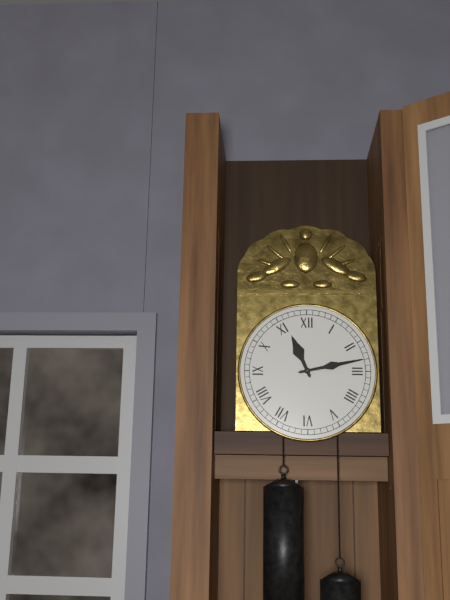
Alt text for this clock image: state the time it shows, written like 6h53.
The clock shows 11h13
